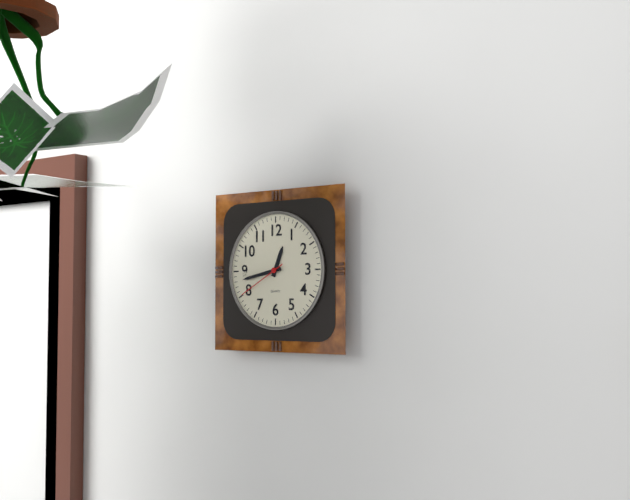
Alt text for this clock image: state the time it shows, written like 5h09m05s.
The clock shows 12h43m40s
